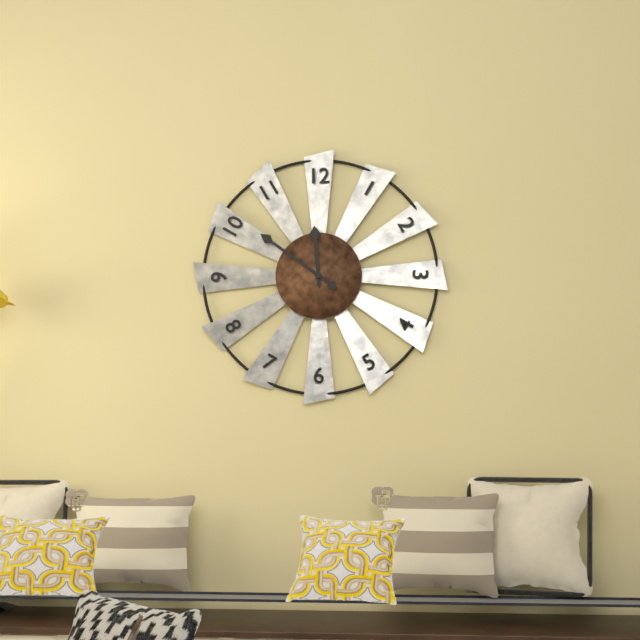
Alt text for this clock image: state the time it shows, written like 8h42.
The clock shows 11h51
